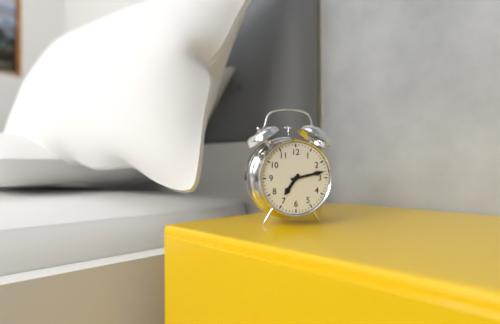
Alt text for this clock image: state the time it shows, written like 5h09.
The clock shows 7h13
